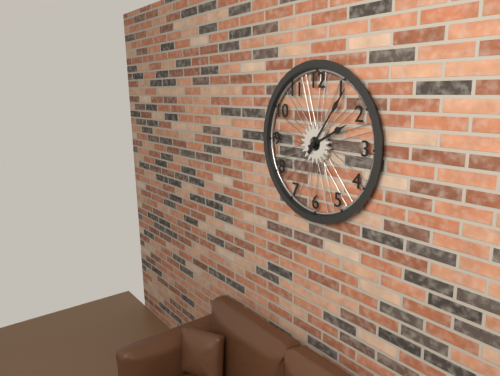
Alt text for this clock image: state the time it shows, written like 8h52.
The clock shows 2h06
